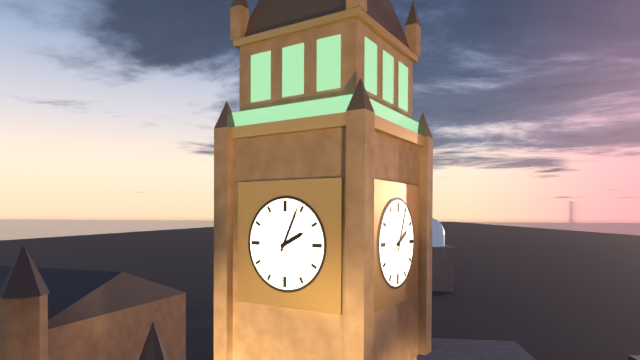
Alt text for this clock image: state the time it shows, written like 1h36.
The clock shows 2h04
